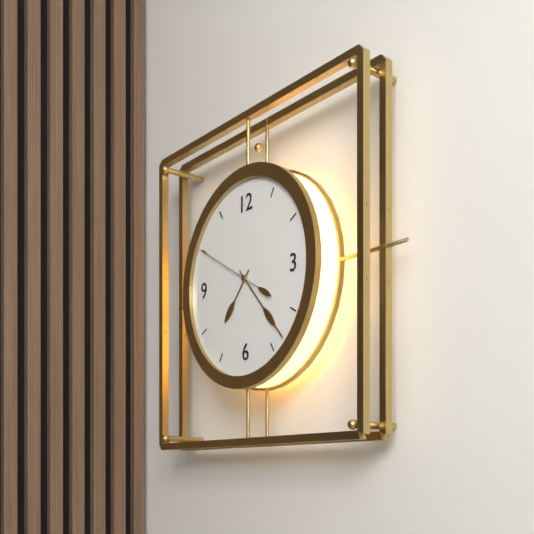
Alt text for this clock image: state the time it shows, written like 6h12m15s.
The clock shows 7h23m50s
